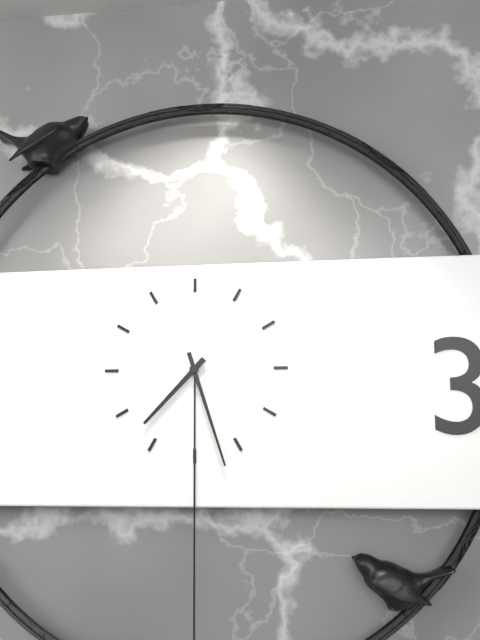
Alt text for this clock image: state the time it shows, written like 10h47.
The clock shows 7h27
